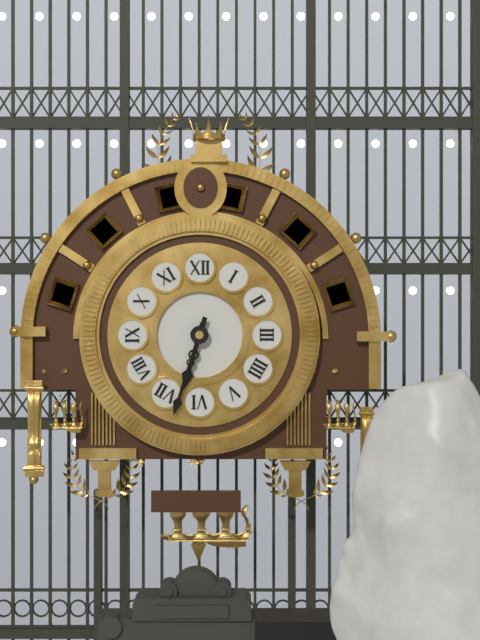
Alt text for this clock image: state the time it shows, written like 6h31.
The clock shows 6h33
